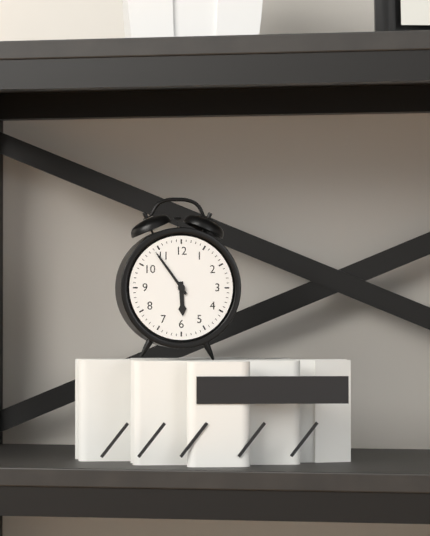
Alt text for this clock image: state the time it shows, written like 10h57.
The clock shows 5h54
